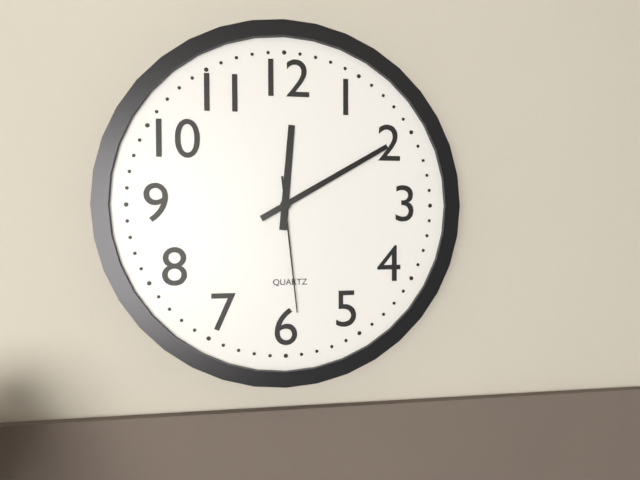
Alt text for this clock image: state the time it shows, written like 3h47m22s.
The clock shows 12h10m29s
